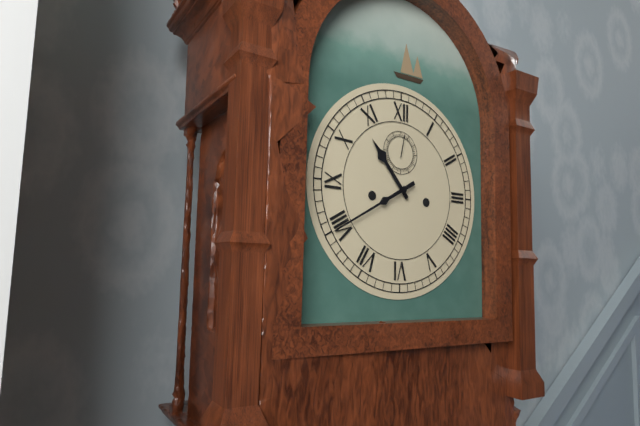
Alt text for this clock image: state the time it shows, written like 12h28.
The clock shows 10h40
